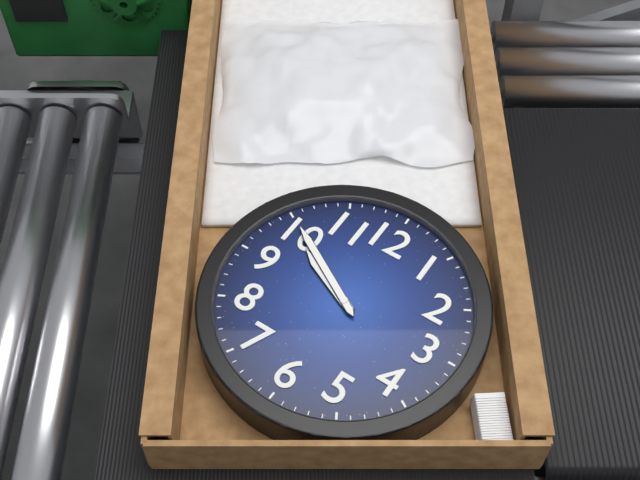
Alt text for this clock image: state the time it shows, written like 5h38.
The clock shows 9h50
